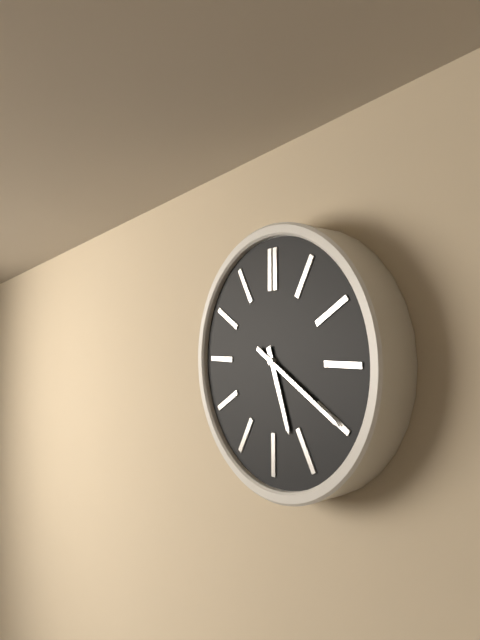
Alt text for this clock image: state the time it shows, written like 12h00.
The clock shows 5h20
